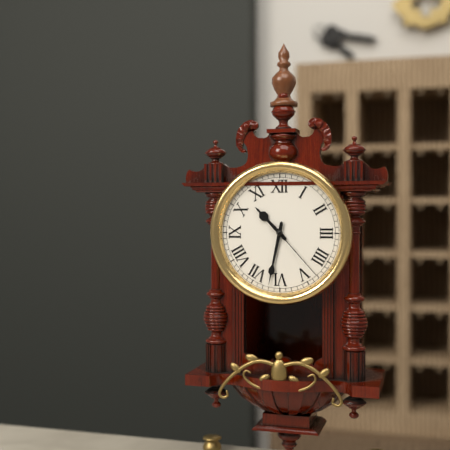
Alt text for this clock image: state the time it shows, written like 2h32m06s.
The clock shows 10h32m23s
